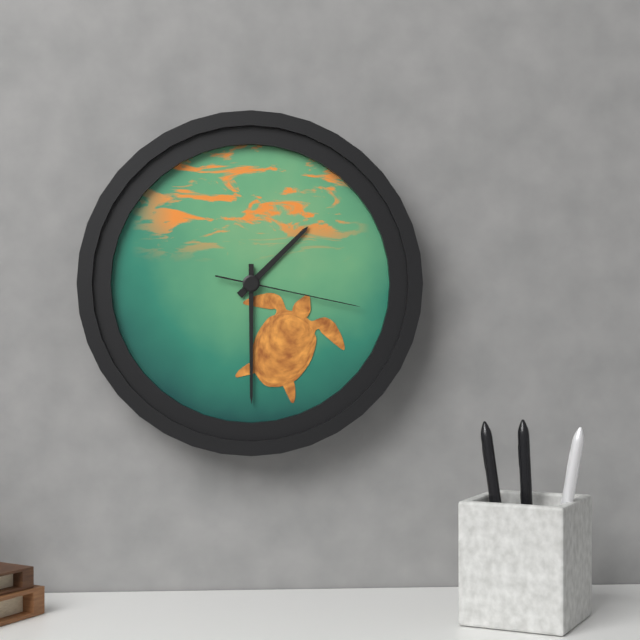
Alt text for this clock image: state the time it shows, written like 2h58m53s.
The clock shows 1h30m17s
